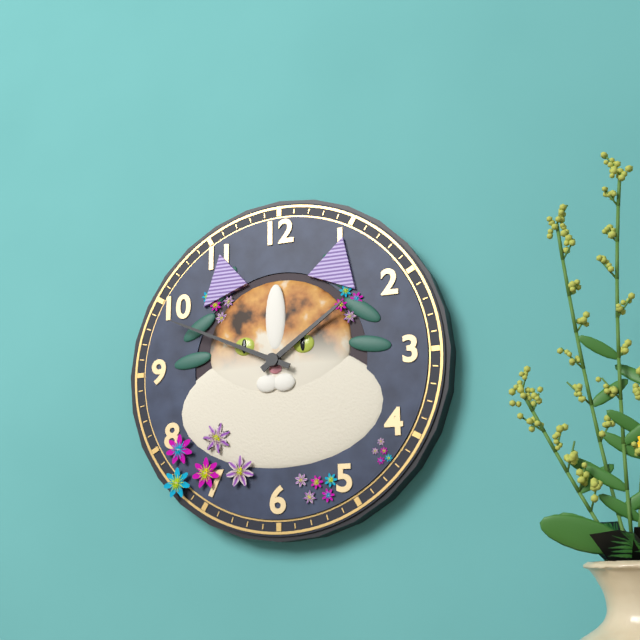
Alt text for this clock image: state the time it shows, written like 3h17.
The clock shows 1h49
